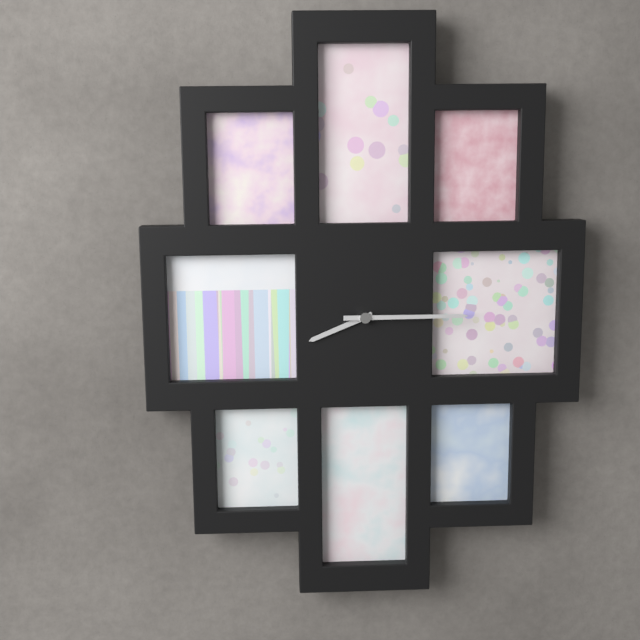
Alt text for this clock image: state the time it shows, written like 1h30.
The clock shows 8h15
